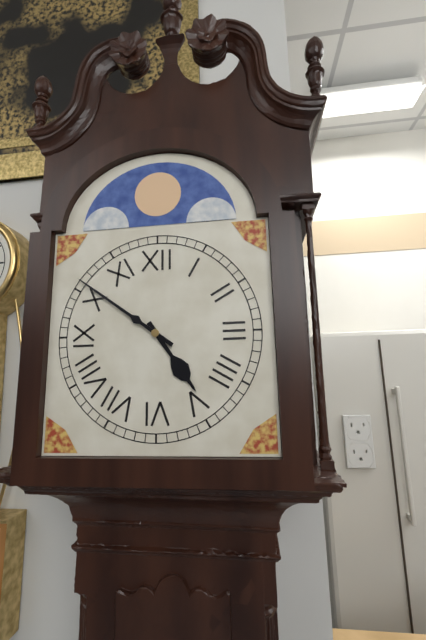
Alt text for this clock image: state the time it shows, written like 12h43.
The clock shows 4h51
